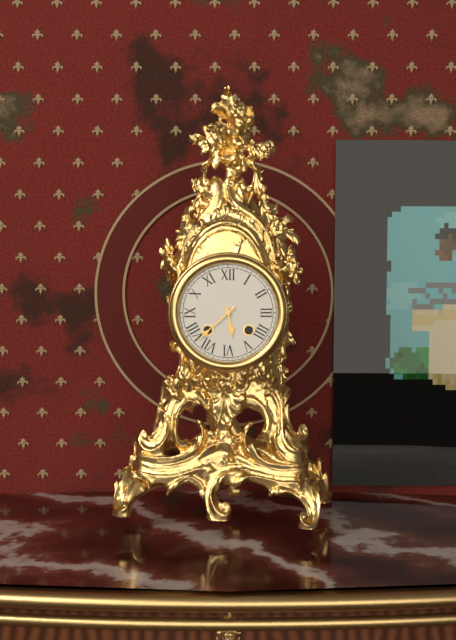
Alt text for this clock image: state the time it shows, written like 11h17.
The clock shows 5h38
